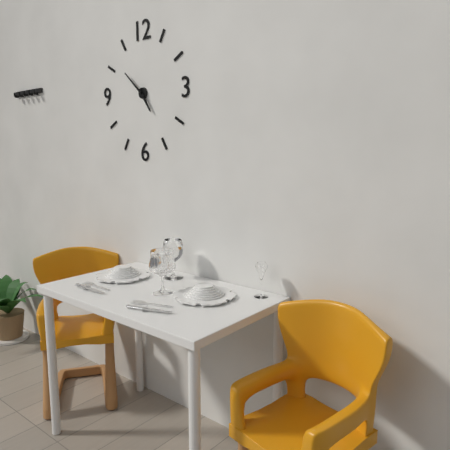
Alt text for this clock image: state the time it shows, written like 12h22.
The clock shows 4h52
